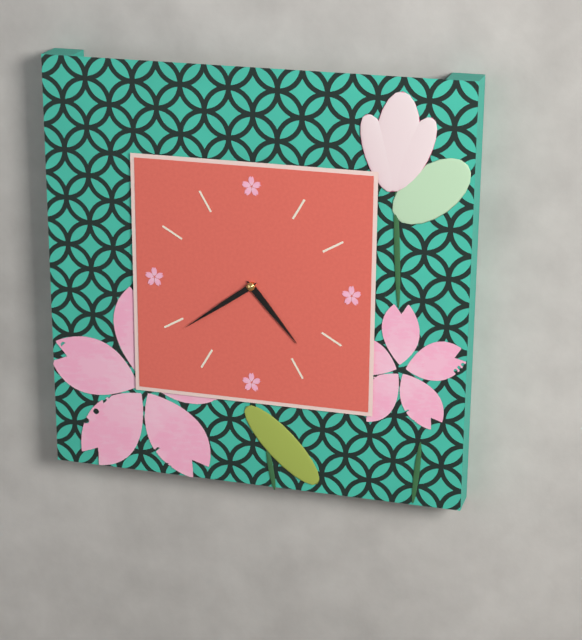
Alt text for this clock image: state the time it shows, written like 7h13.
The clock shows 4h39
